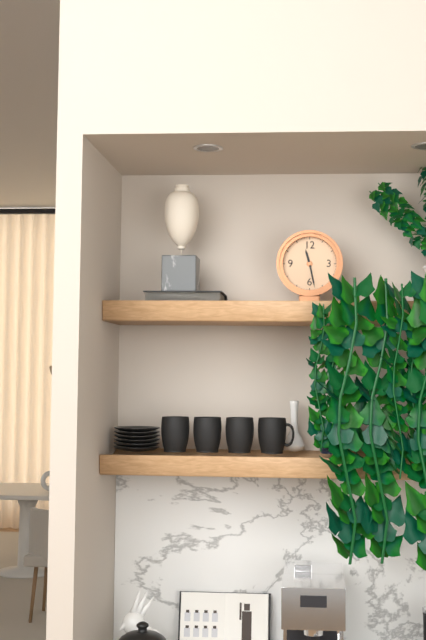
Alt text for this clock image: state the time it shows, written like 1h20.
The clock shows 11h28
